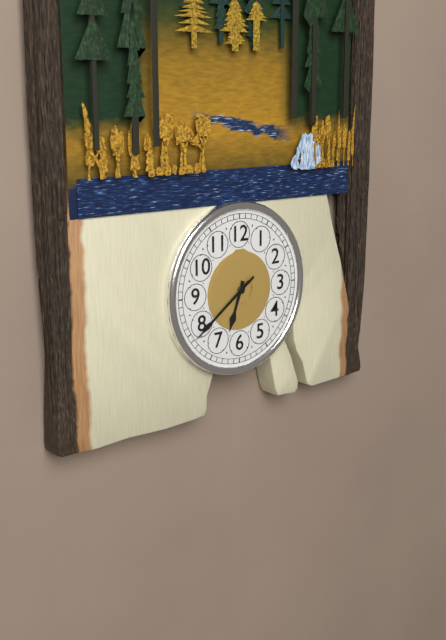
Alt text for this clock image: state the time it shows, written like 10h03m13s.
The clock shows 6h39m39s
